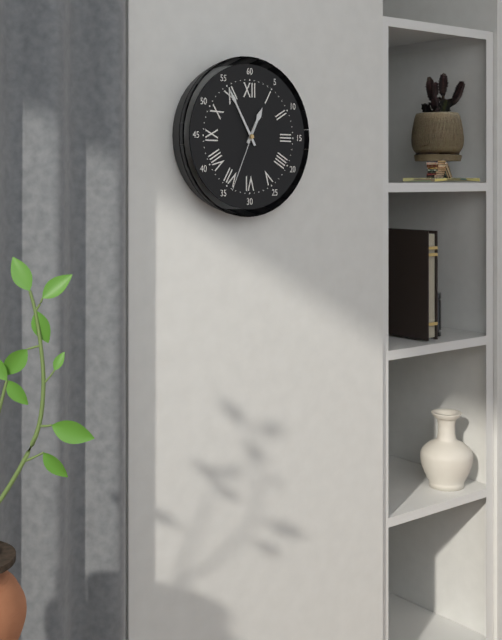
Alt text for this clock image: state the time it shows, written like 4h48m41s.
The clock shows 12h55m34s
